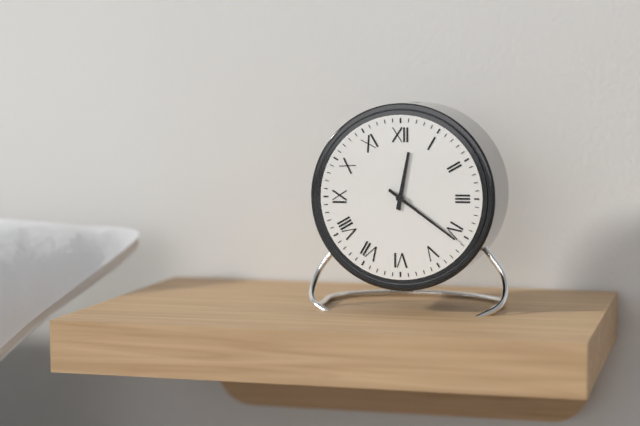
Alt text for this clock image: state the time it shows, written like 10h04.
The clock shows 12h21
